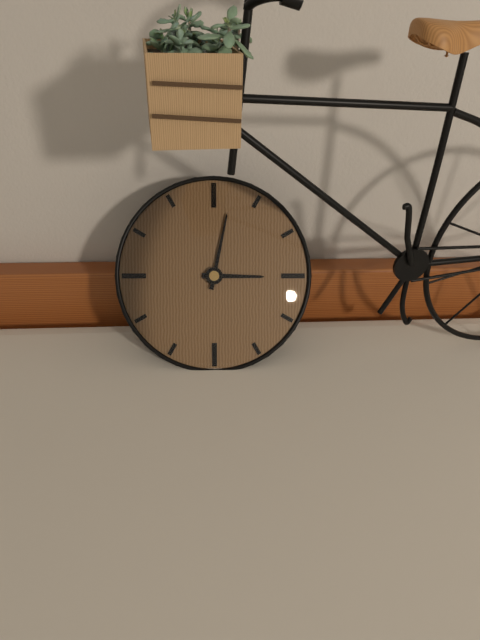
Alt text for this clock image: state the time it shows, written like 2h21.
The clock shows 3h02
